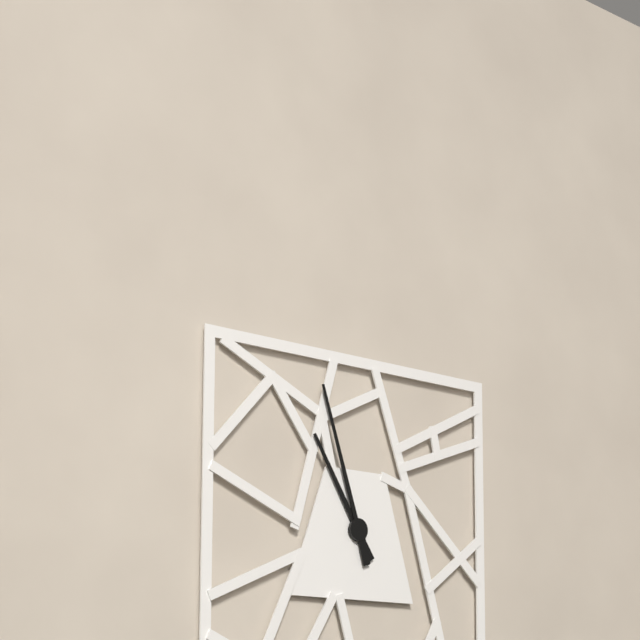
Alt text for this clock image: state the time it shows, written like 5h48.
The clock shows 10h57
